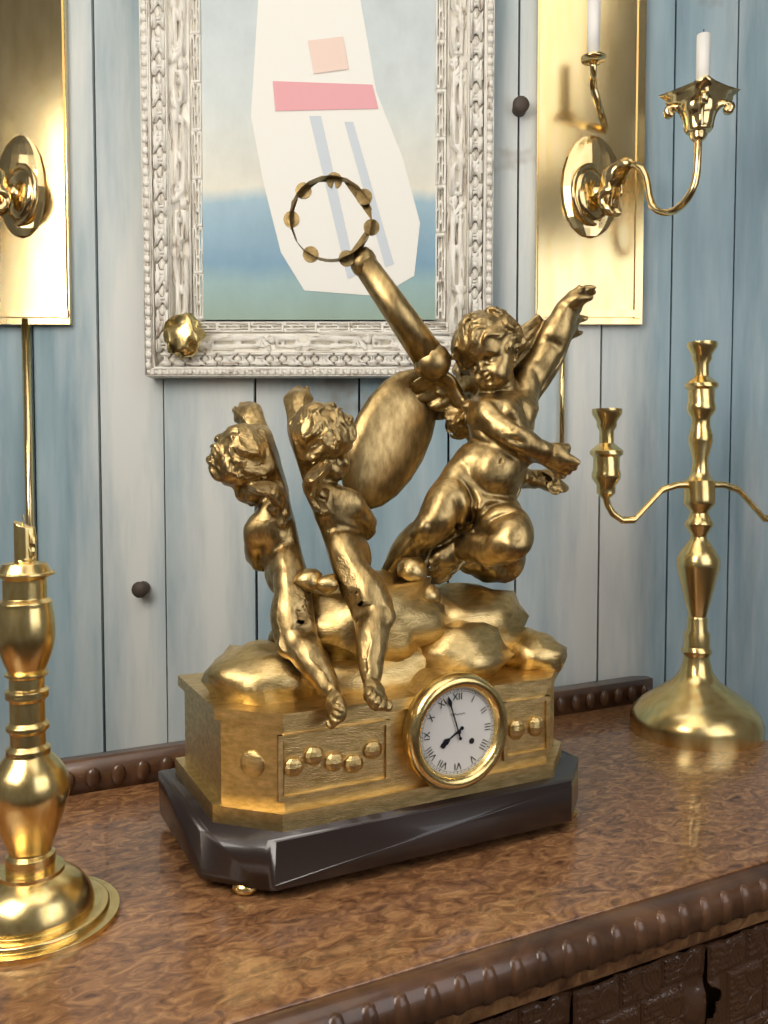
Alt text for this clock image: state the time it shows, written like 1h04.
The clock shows 7h57
